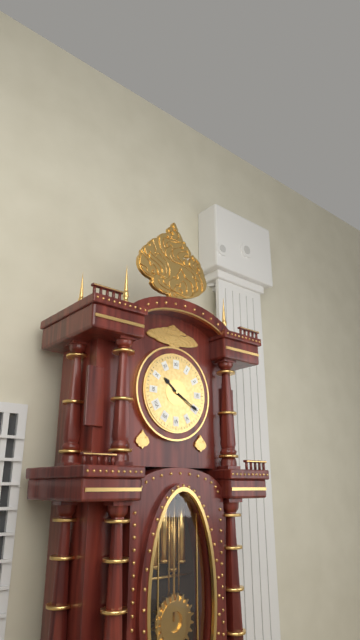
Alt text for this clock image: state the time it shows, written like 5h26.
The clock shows 10h20
